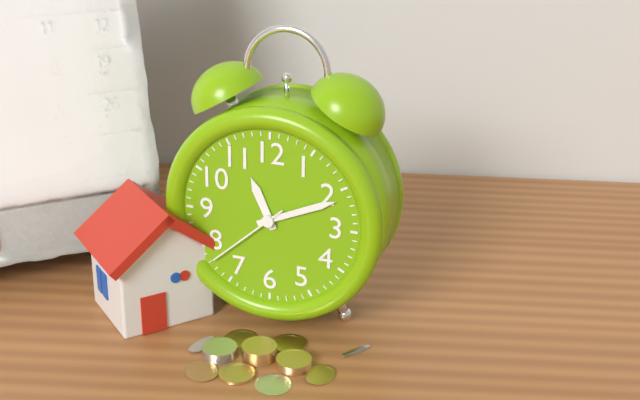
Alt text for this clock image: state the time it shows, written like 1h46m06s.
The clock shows 11h11m38s
